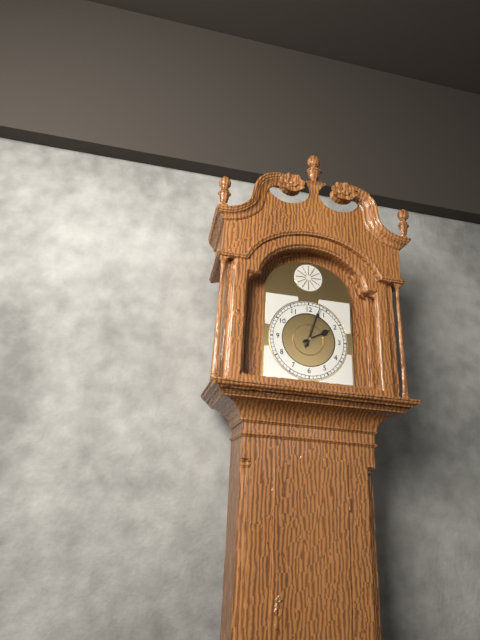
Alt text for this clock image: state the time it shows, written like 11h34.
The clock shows 2h03
